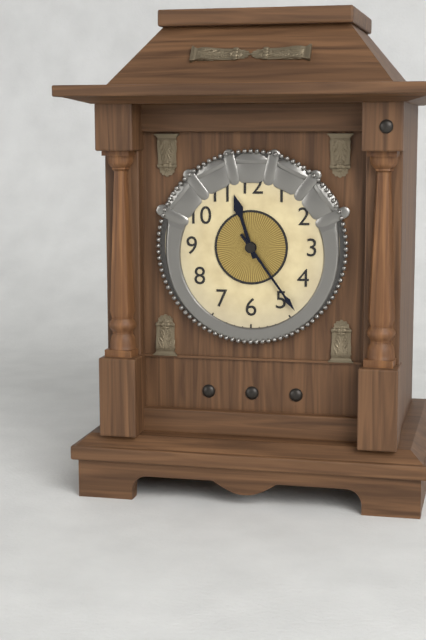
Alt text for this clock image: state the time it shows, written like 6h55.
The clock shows 11h24
